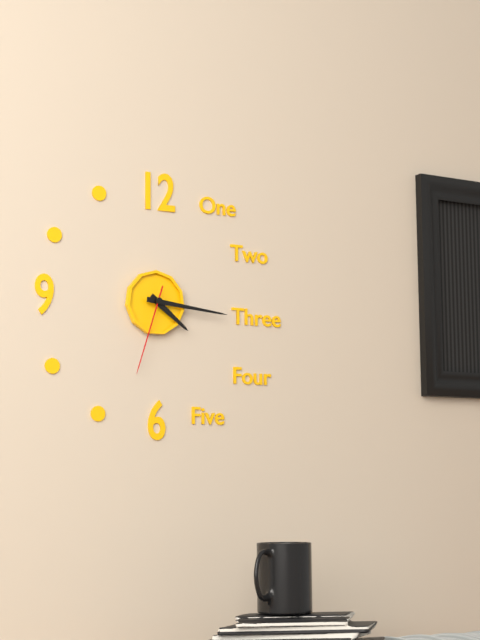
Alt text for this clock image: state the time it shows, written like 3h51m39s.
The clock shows 4h16m33s
